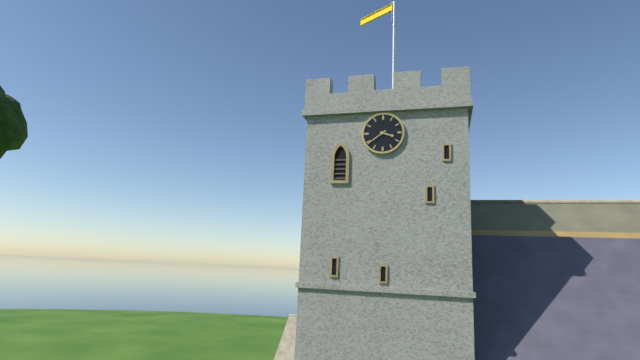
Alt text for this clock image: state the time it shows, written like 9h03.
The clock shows 3h39
